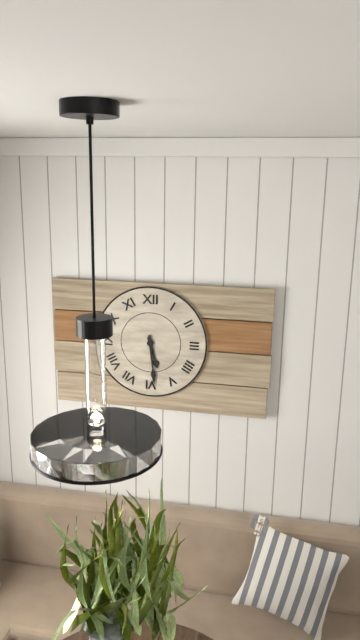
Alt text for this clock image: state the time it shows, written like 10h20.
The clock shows 5h29
